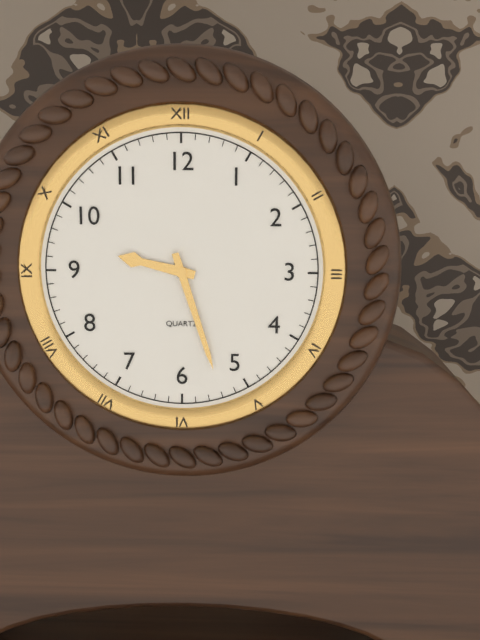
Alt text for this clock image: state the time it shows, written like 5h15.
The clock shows 9h27
